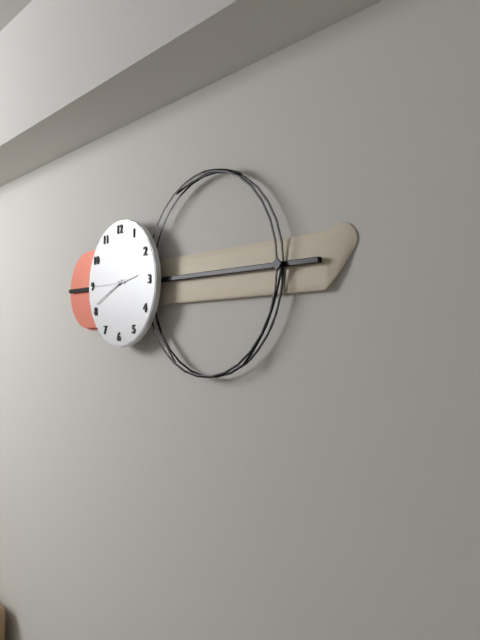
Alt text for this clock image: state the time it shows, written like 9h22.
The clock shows 2h41
